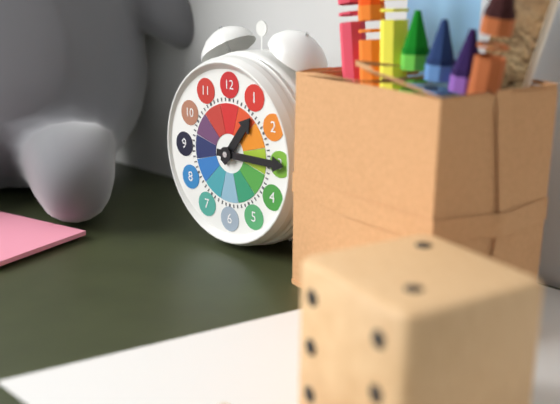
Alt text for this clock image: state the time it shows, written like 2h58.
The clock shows 1h15
